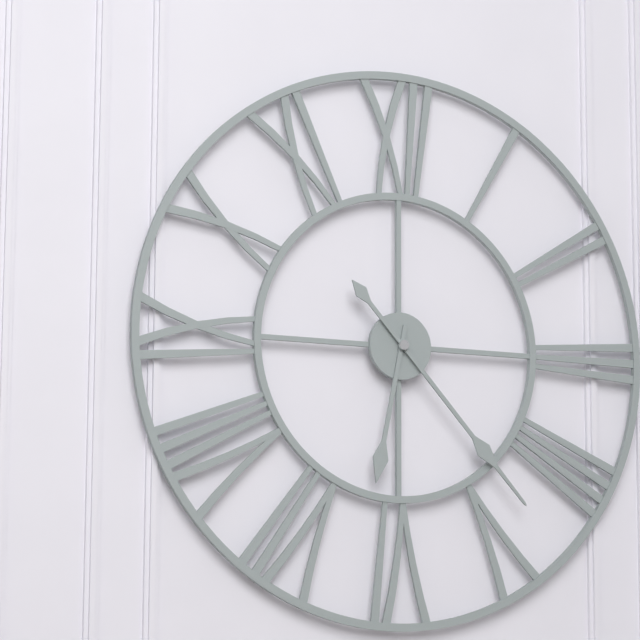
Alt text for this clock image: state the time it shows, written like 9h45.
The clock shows 6h23
